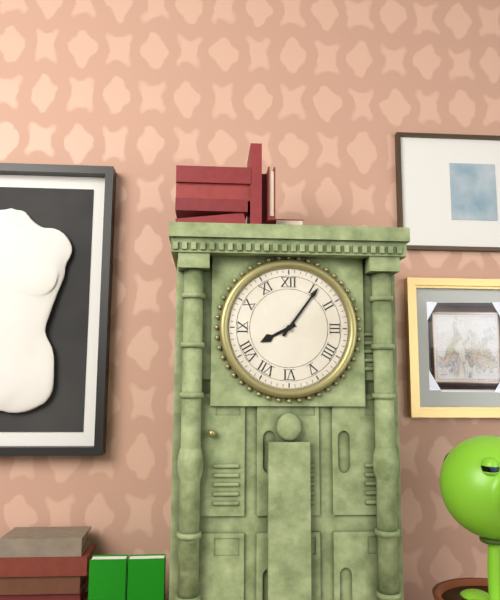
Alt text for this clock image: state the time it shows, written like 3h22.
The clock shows 8h06
